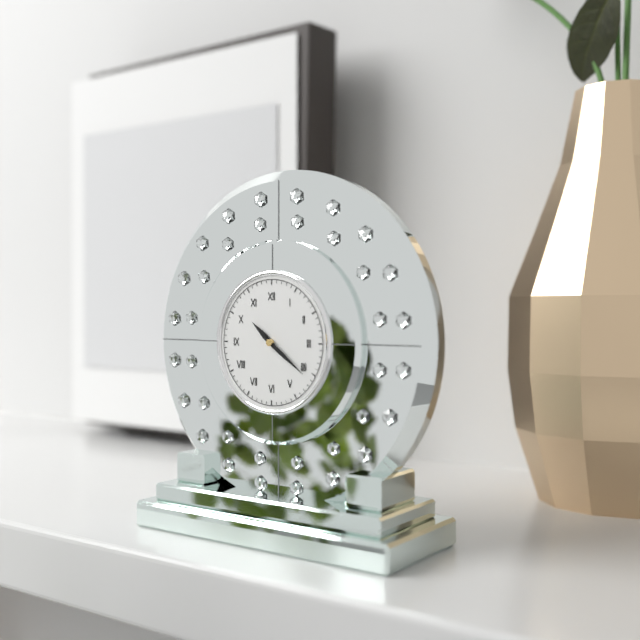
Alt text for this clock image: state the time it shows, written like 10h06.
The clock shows 10h21
